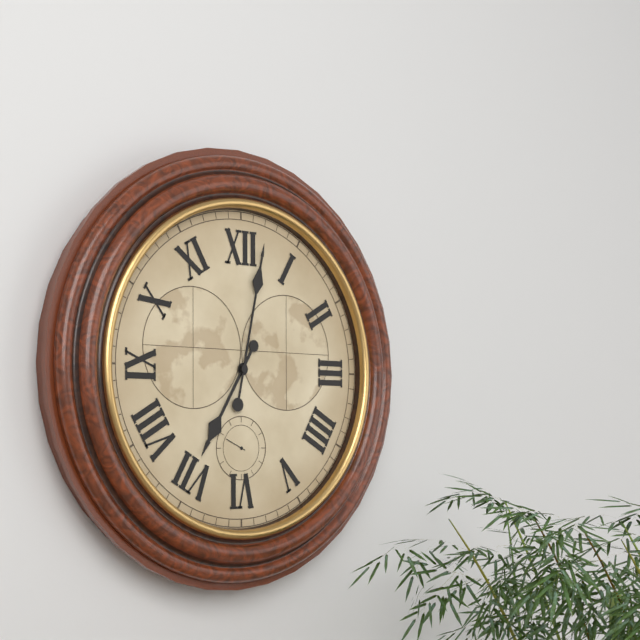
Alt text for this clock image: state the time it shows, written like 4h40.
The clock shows 7h02
